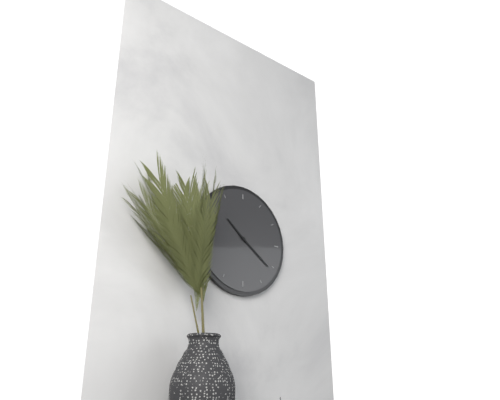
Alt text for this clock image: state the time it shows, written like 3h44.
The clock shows 10h21
